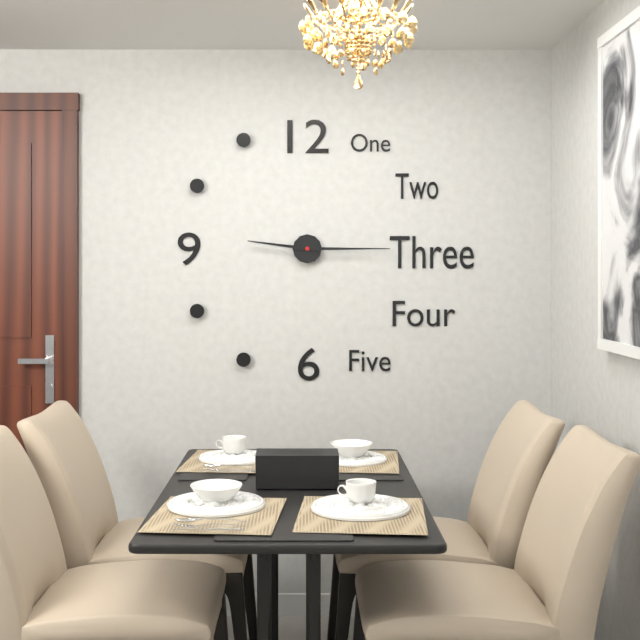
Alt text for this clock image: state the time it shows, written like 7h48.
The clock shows 9h15
